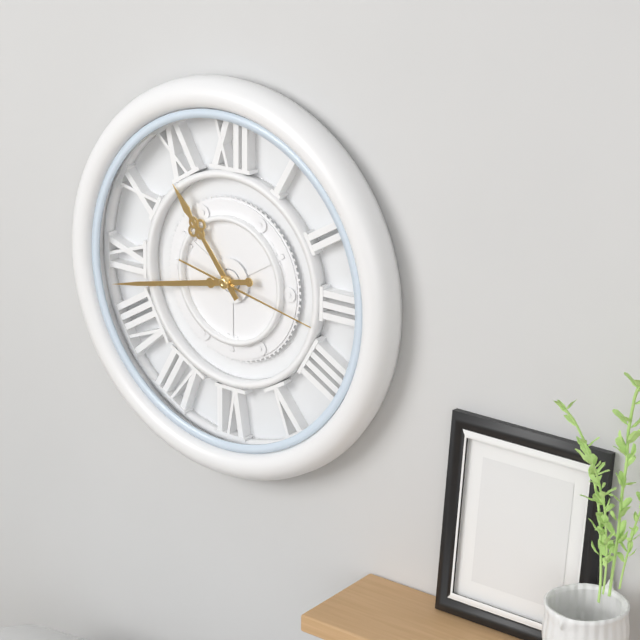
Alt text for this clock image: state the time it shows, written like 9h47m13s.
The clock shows 10h43m17s
